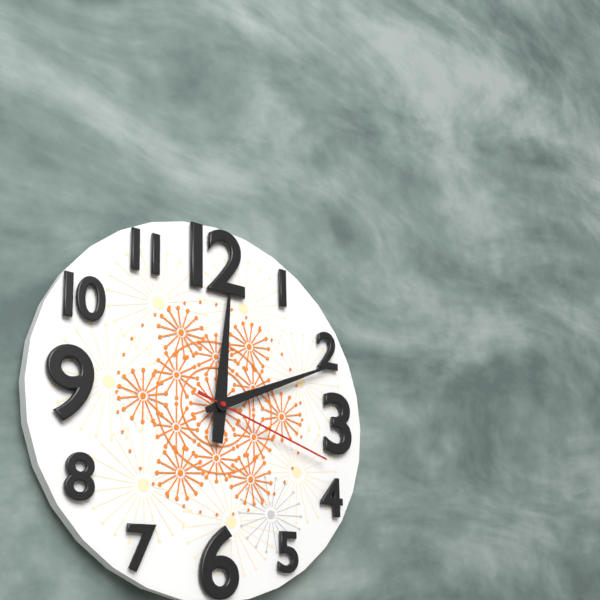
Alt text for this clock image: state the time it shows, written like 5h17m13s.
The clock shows 12h11m18s
